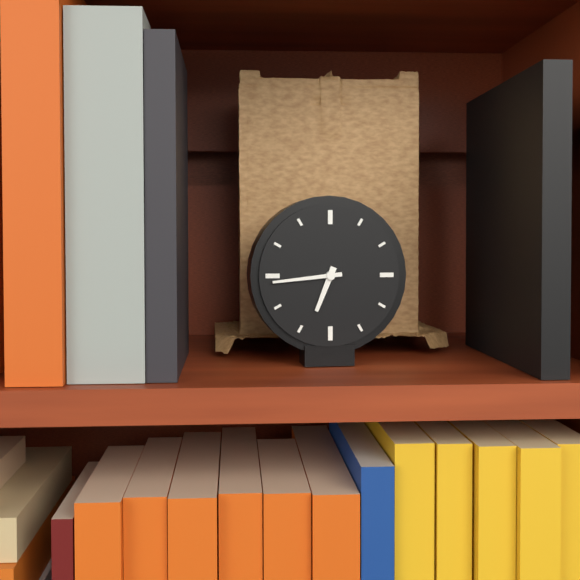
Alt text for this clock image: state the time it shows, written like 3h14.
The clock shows 6h44
